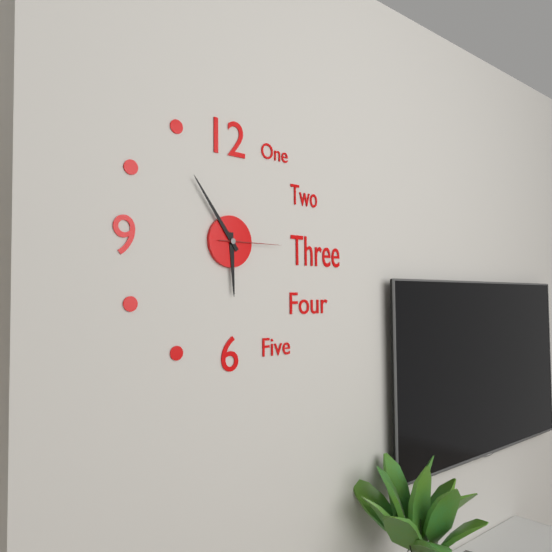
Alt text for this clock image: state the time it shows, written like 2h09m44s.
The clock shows 5h54m15s
